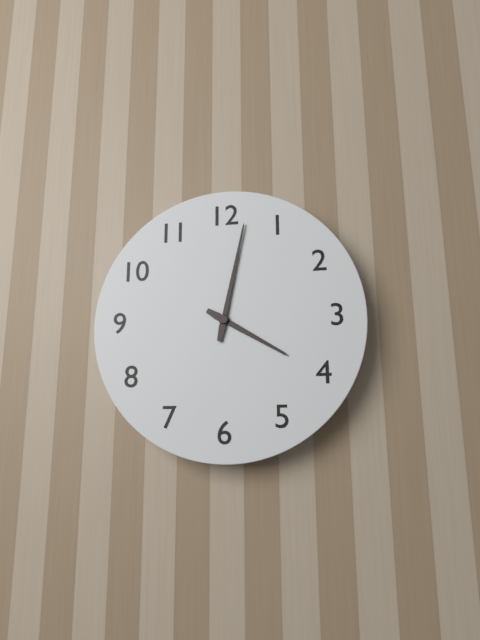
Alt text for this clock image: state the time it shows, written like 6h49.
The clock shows 4h02
